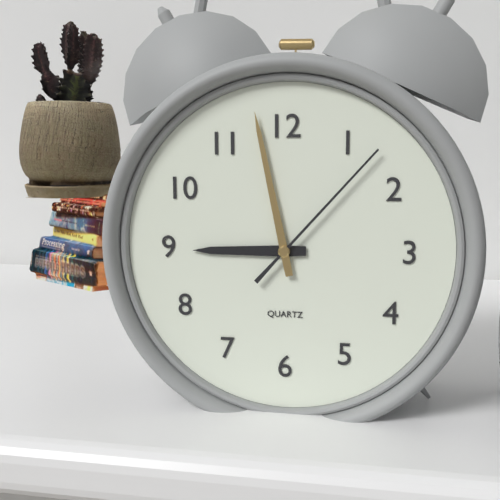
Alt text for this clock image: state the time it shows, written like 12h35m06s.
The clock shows 8h58m07s
